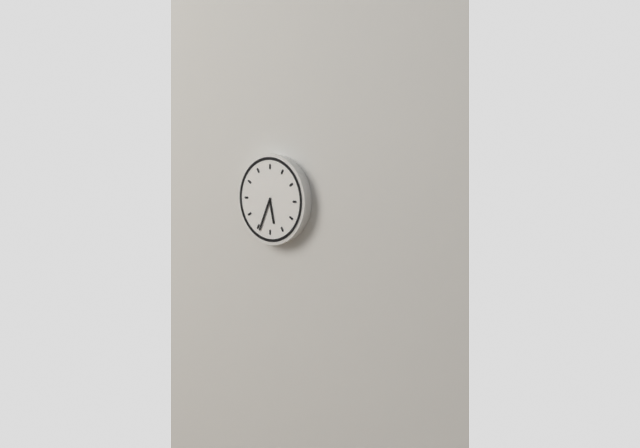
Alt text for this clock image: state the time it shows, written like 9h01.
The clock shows 5h34
